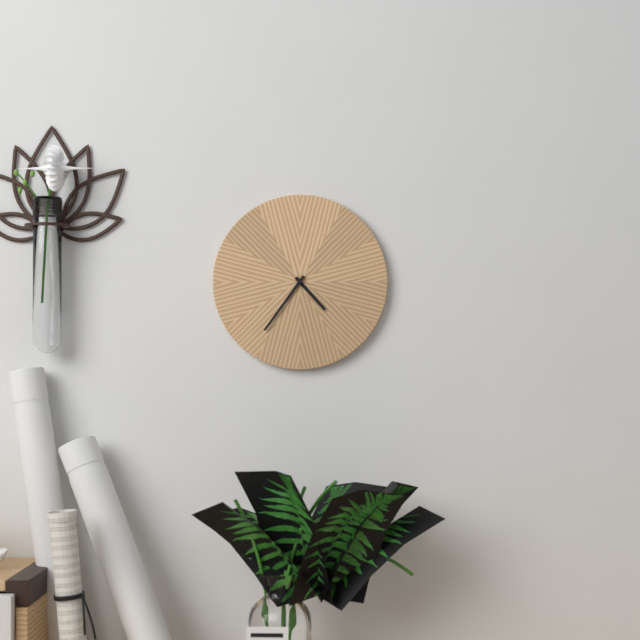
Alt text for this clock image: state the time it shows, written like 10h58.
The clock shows 4h36
